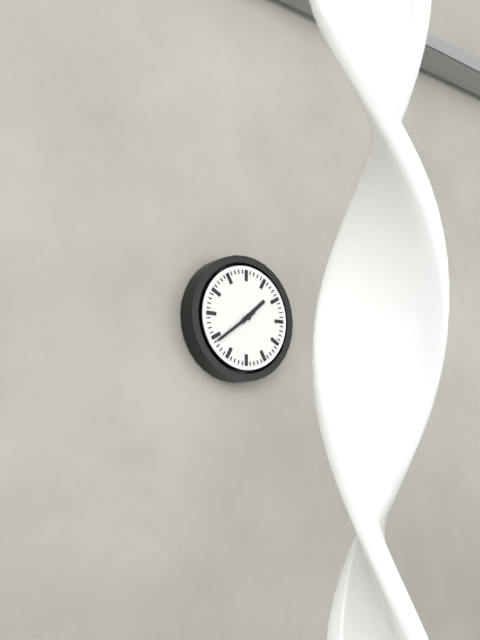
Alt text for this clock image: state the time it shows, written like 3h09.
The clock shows 1h39
